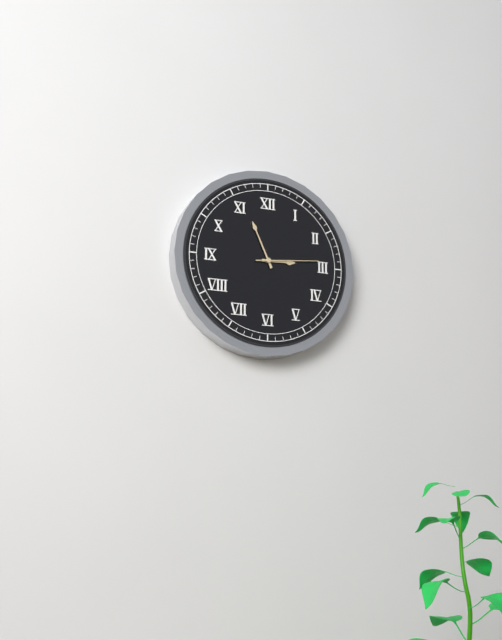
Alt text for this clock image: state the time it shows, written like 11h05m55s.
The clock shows 2h56m14s
